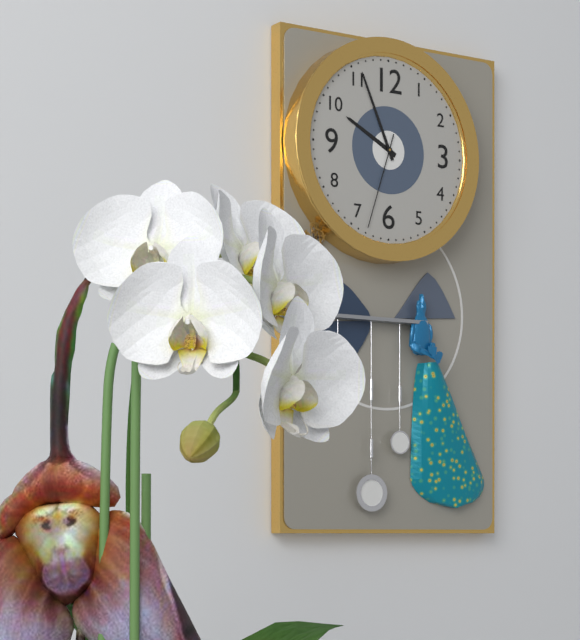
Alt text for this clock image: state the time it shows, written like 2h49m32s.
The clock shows 9h56m33s
